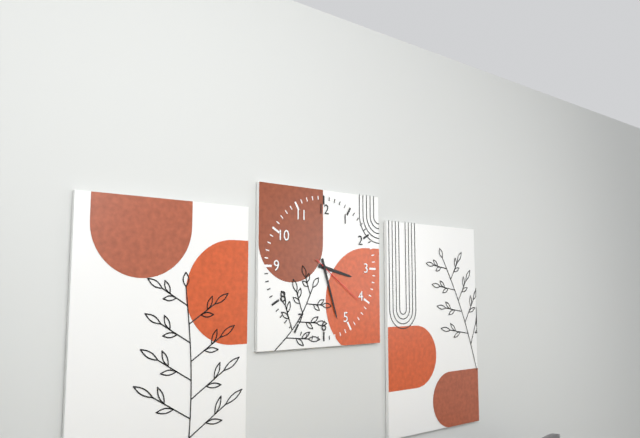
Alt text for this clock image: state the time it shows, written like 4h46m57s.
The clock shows 3h27m21s
